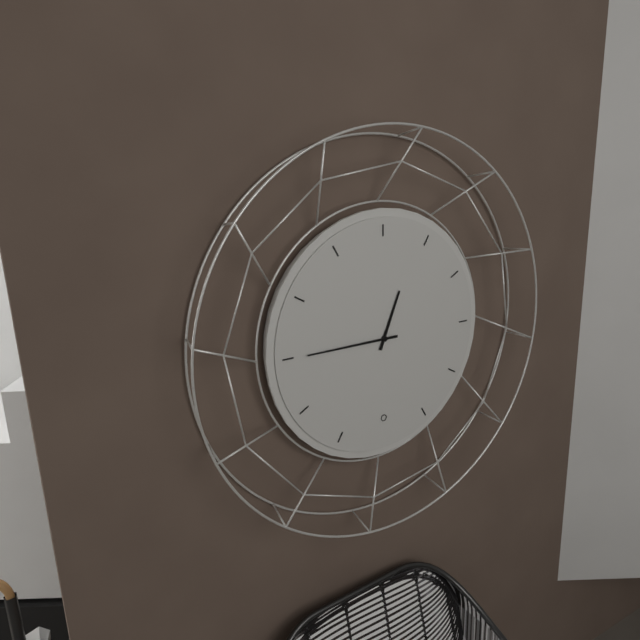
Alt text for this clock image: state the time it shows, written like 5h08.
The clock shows 12h45
